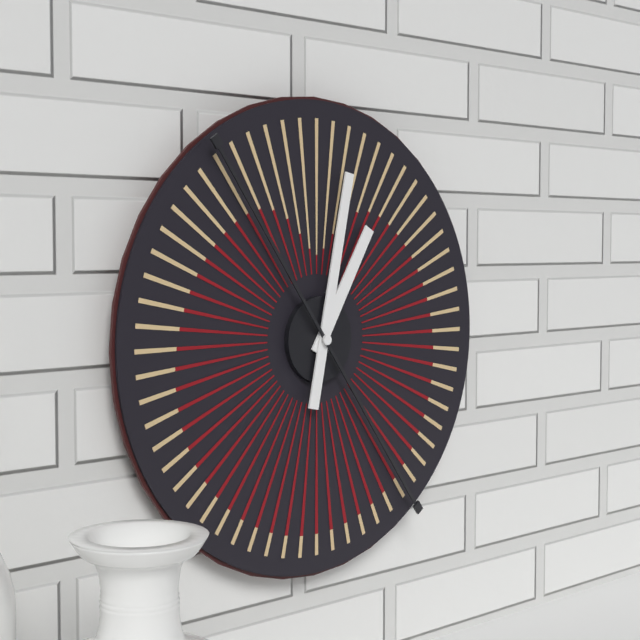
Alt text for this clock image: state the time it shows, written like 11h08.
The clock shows 1h02
